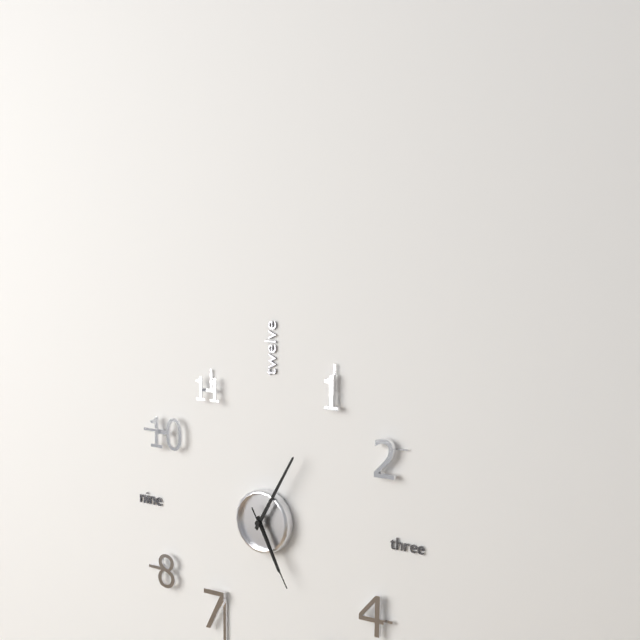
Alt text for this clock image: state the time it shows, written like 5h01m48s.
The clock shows 5h05m25s
